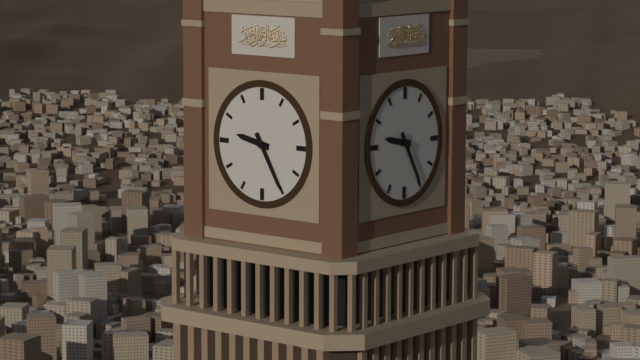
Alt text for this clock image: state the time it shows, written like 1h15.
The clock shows 9h25
